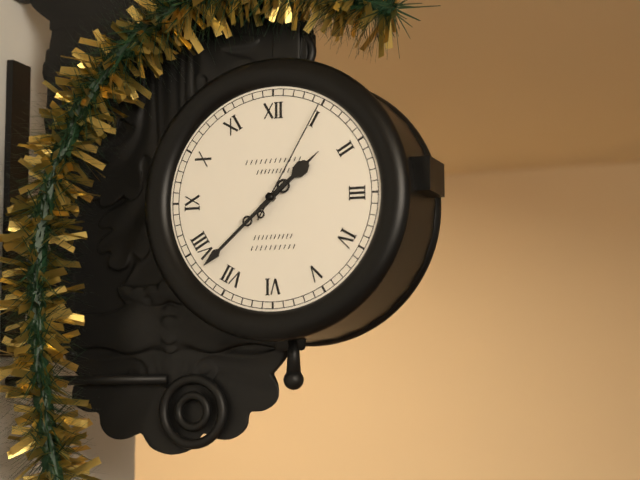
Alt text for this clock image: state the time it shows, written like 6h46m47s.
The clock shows 1h38m05s
